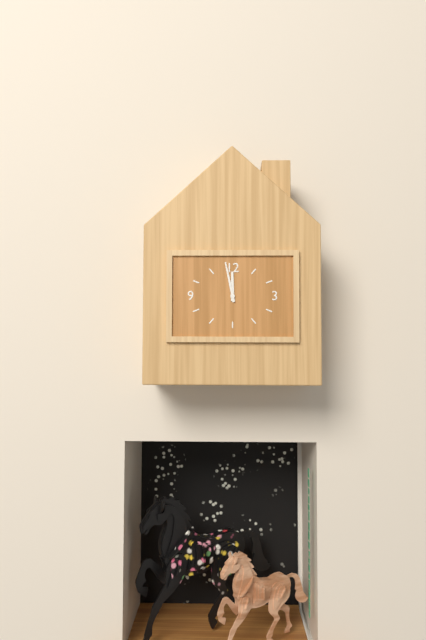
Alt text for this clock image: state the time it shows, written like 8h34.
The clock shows 11h58
